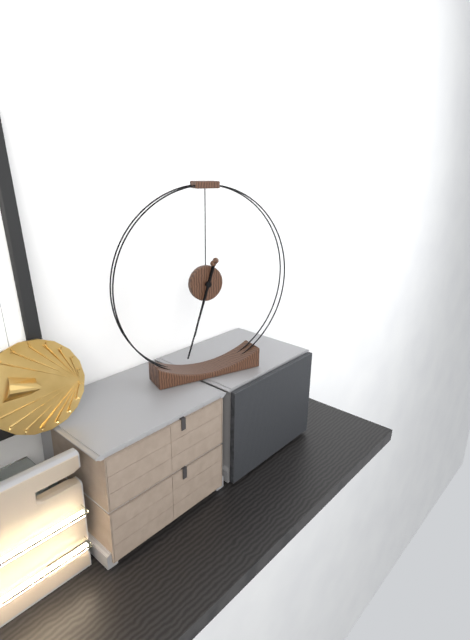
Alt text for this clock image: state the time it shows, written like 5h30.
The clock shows 6h33
